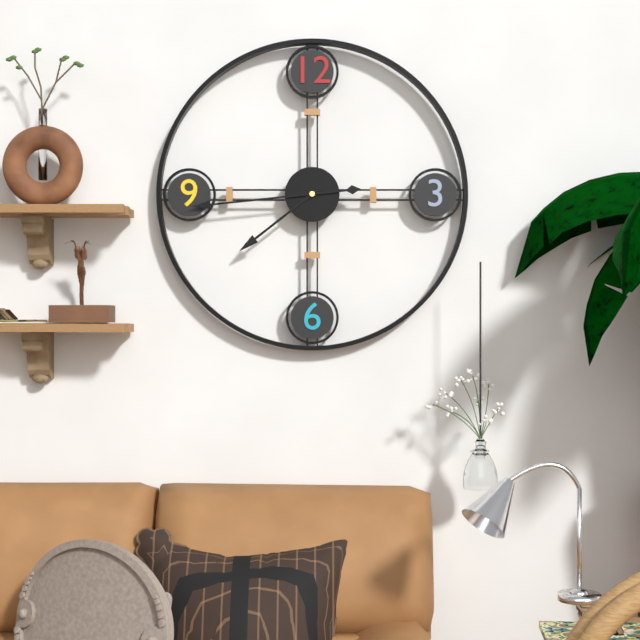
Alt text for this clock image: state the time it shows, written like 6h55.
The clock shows 7h44
